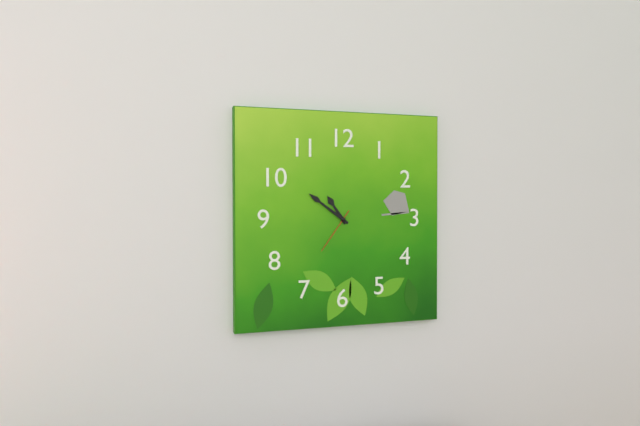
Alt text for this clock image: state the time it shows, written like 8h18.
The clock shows 10h51
